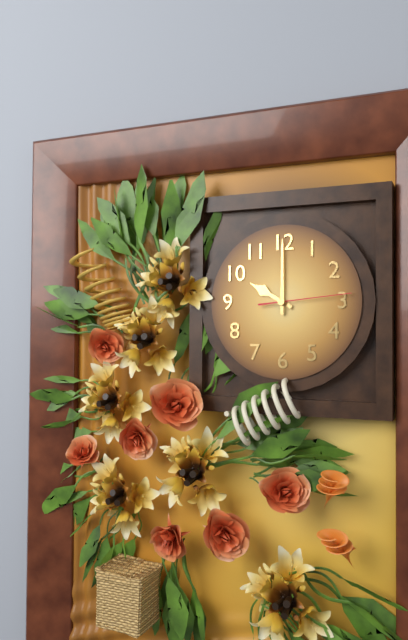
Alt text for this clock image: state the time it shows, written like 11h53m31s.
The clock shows 10h00m14s
